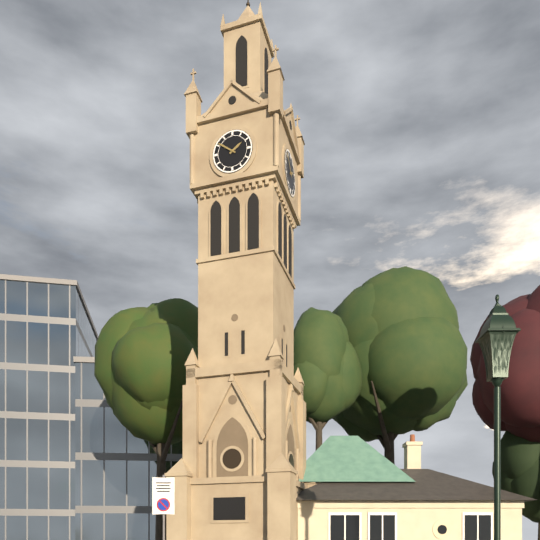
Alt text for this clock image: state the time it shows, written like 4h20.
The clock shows 1h51
